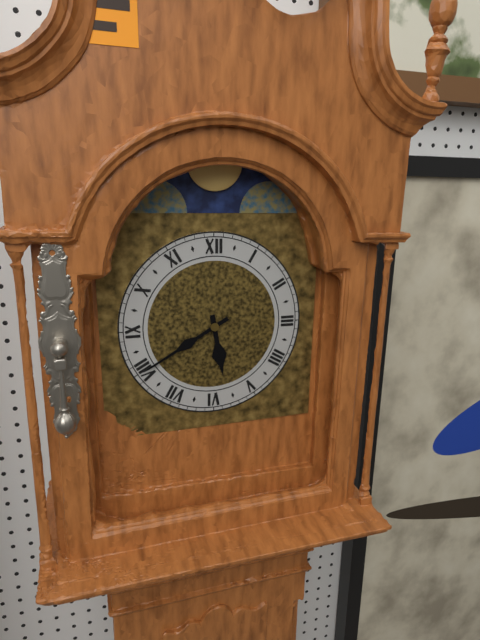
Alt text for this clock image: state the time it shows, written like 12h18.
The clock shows 5h40
